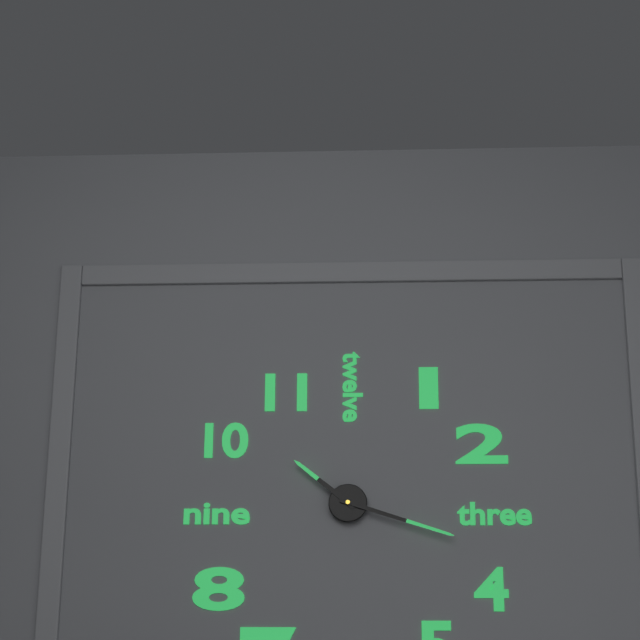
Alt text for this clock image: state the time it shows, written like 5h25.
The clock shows 10h18
